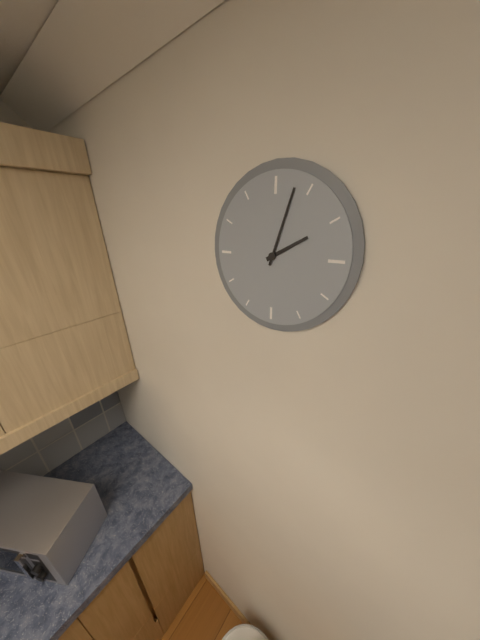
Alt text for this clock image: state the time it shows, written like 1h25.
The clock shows 2h03
